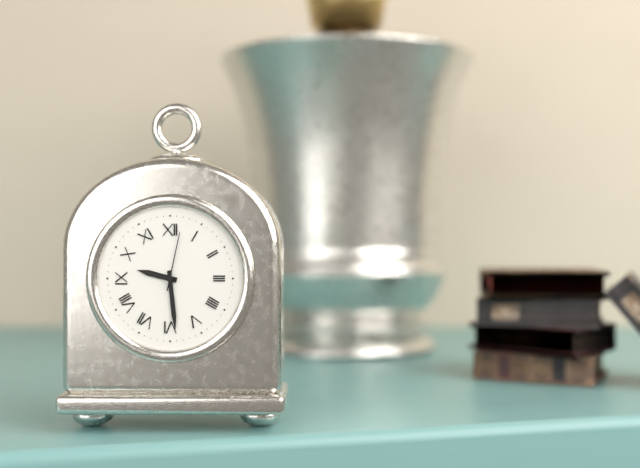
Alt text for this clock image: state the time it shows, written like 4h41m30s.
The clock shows 9h29m02s
